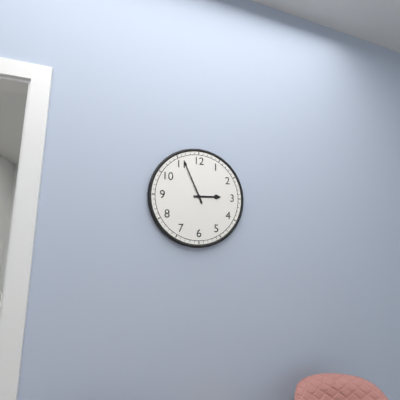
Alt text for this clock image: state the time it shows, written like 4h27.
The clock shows 2h56
